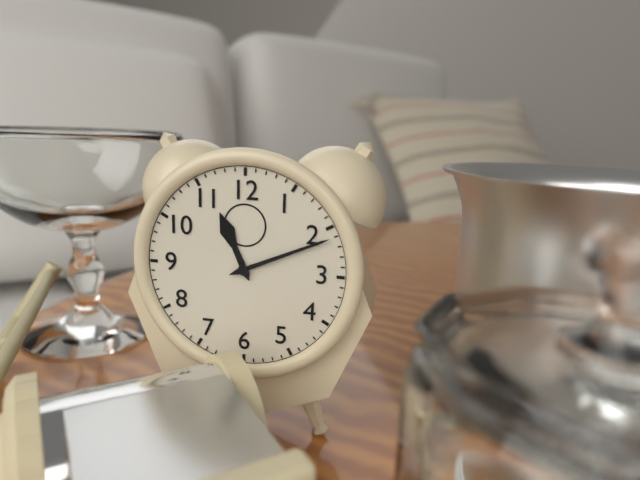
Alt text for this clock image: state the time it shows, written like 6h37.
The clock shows 11h11
